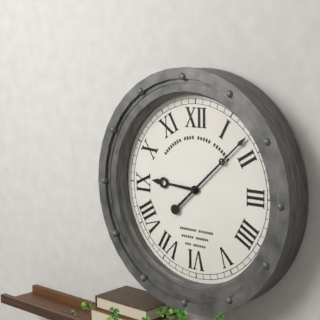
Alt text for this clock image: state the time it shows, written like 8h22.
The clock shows 9h08
